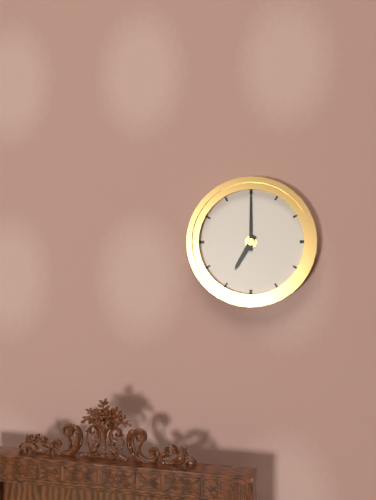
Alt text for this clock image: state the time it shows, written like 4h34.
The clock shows 7h00
